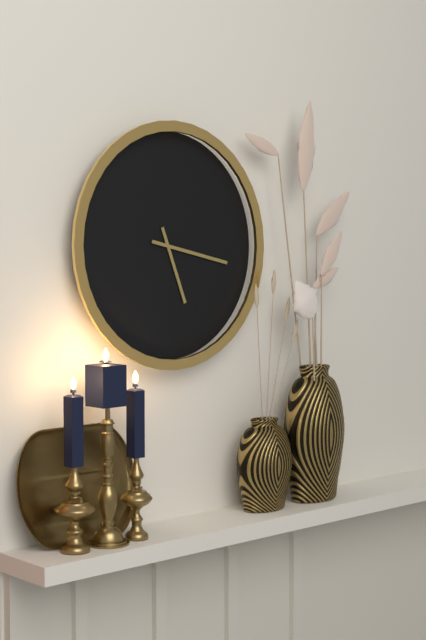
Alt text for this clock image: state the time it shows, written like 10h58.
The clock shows 5h17
